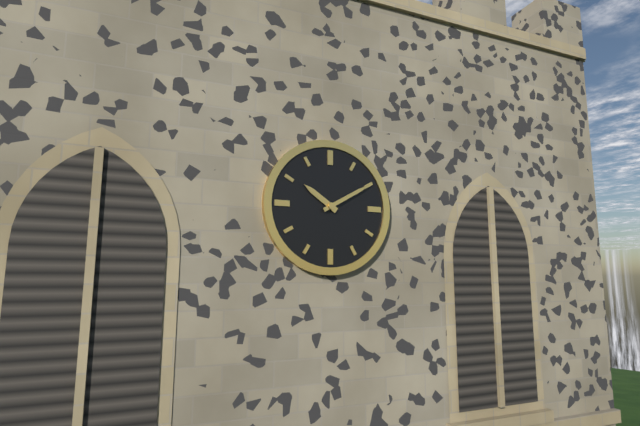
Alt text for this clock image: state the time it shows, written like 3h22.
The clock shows 10h10
